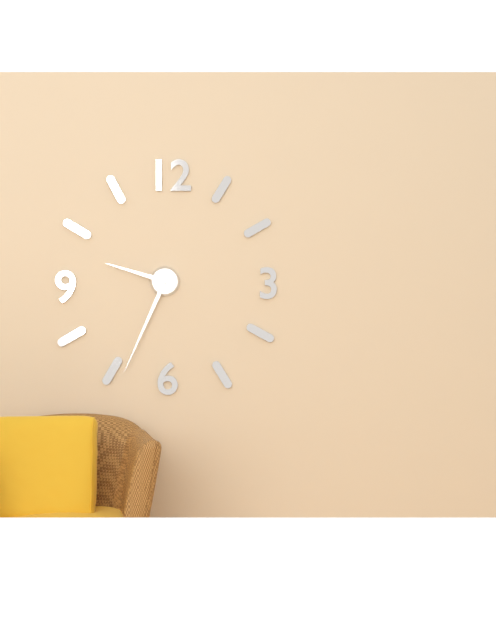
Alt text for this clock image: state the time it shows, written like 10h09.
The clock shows 9h34
